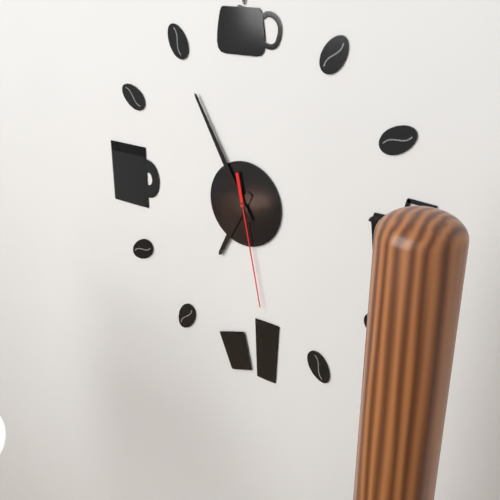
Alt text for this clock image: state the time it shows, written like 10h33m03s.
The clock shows 6h55m28s
